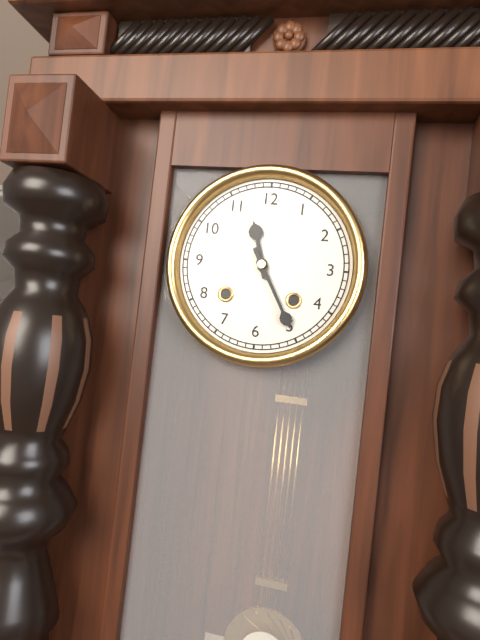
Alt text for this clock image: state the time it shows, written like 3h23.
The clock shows 11h25
